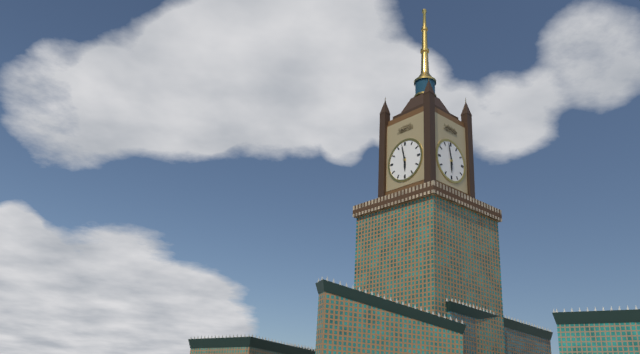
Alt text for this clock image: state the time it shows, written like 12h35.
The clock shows 5h58
